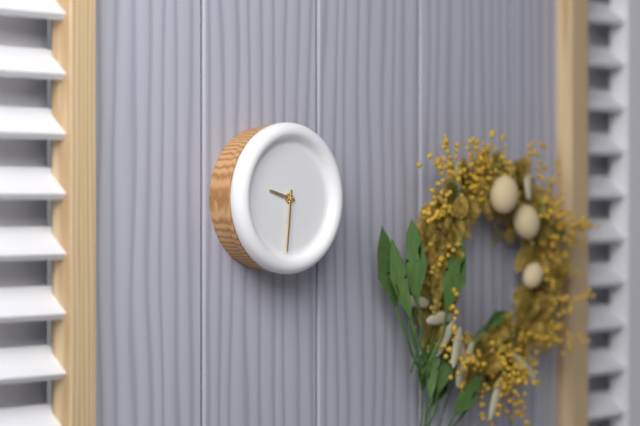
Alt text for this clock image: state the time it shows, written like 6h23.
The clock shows 9h31
